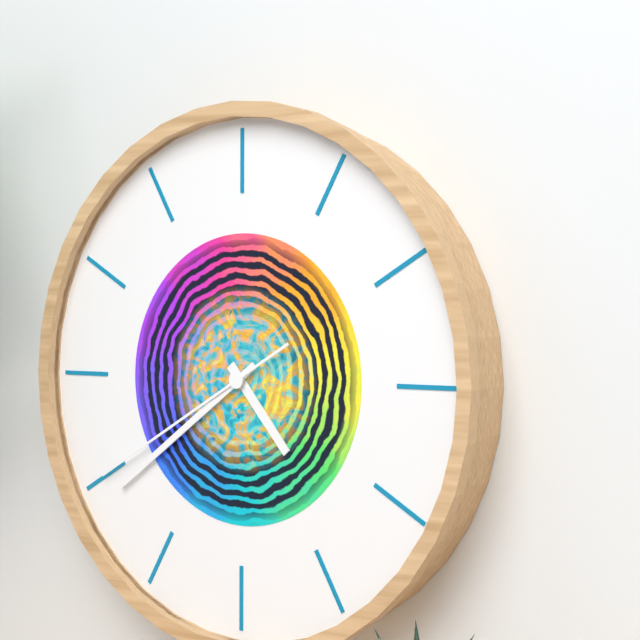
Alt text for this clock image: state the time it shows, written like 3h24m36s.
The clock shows 4h39m40s
